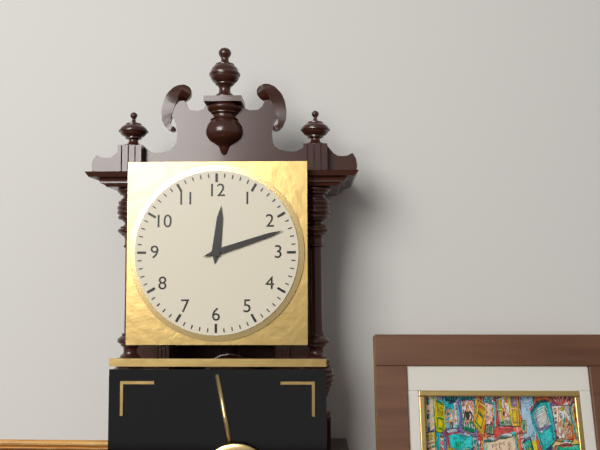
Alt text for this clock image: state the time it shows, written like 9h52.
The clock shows 12h12
